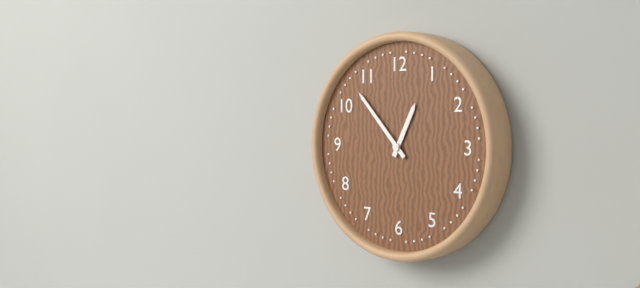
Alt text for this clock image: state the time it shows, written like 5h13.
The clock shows 12h53
